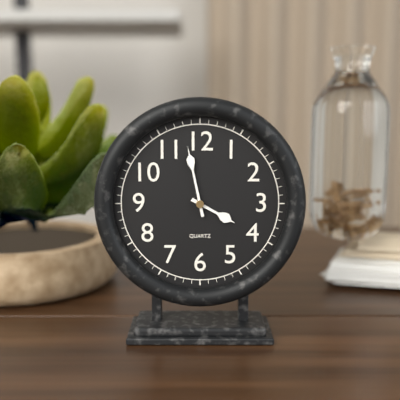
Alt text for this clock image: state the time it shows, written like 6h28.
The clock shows 3h58
